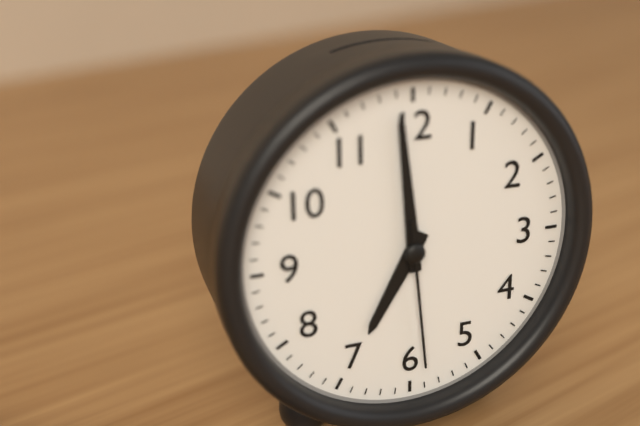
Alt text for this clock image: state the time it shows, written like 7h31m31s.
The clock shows 6h59m29s
